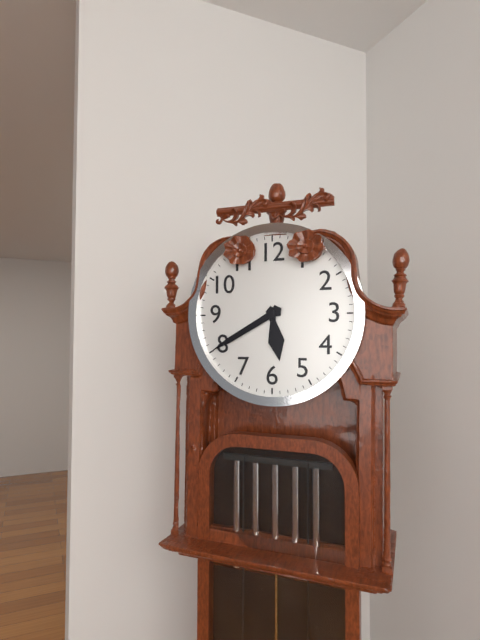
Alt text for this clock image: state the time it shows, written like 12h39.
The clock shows 5h40
